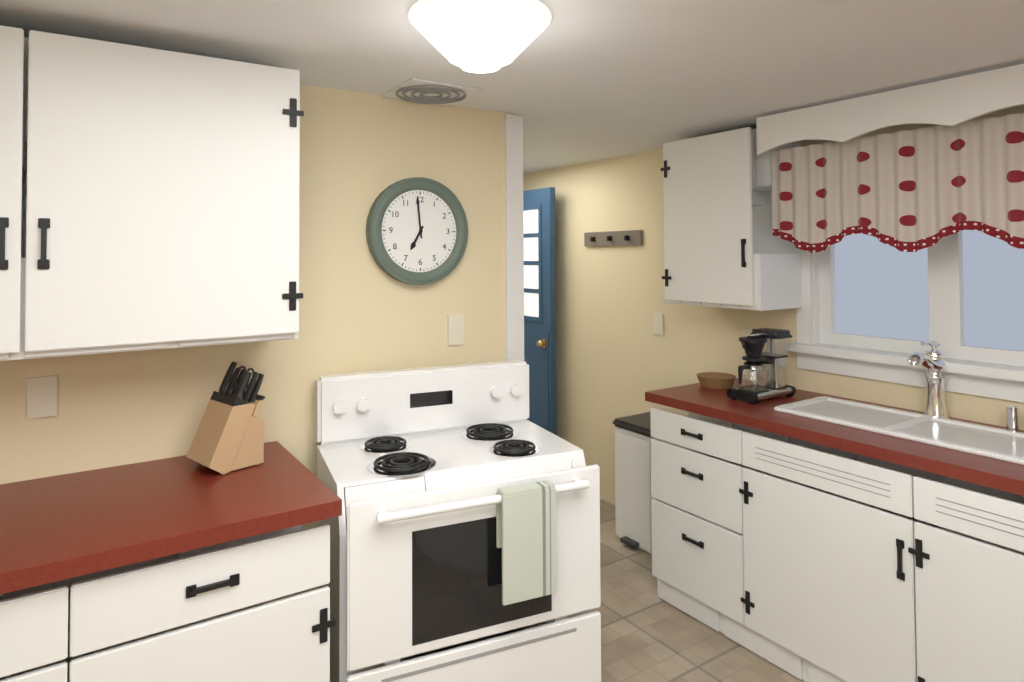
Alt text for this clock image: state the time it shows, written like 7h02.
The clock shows 6h59
